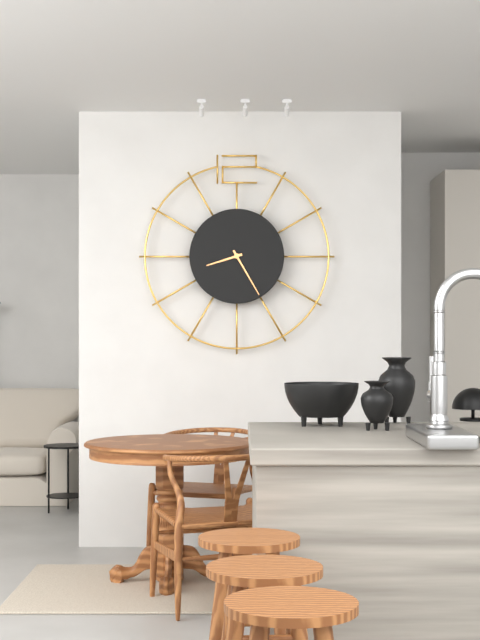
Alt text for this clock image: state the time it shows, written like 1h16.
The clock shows 8h25
